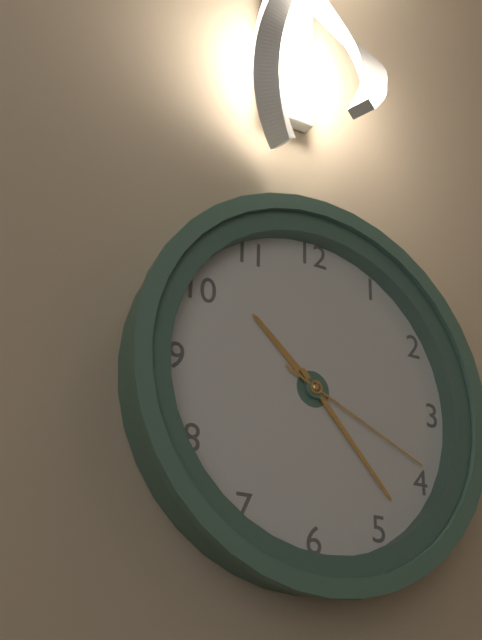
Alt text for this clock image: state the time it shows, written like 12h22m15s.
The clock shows 10h23m19s
